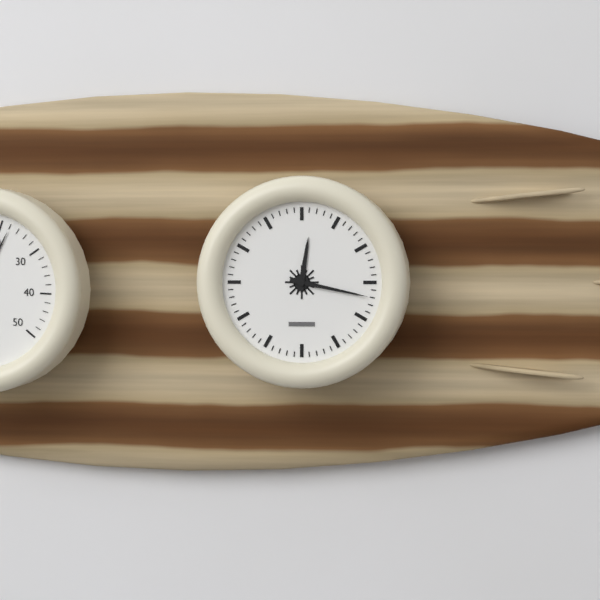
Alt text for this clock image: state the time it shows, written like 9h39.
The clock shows 12h17
